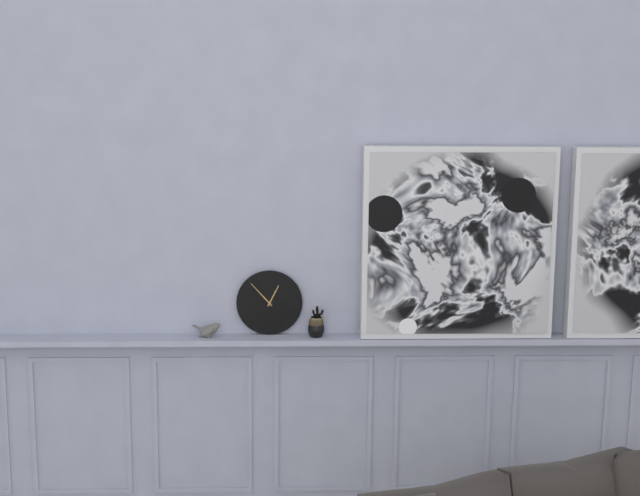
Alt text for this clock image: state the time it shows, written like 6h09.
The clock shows 12h53
